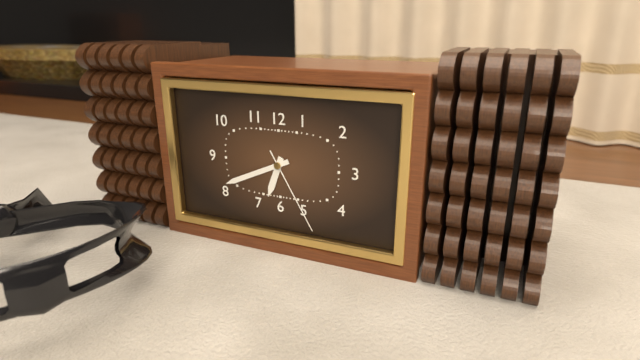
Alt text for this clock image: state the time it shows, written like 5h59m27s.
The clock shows 6h41m25s
